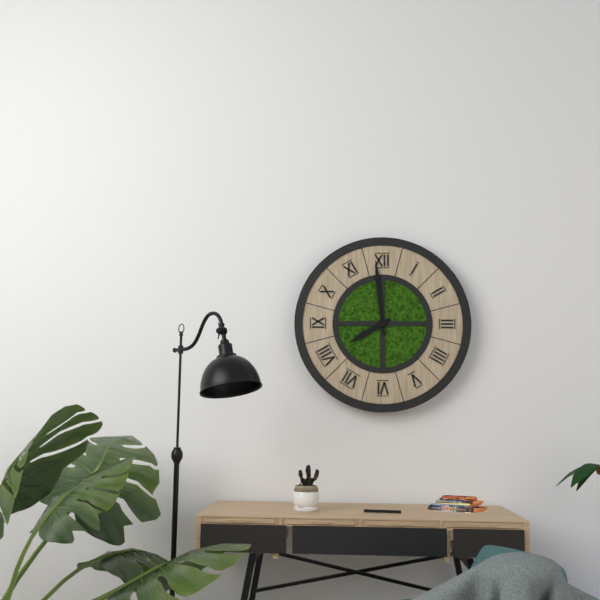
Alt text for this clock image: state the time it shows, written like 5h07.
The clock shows 7h59
